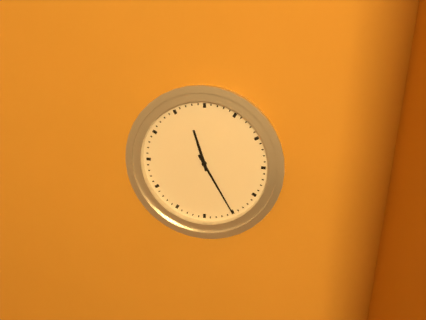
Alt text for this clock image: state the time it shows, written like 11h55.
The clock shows 11h25
